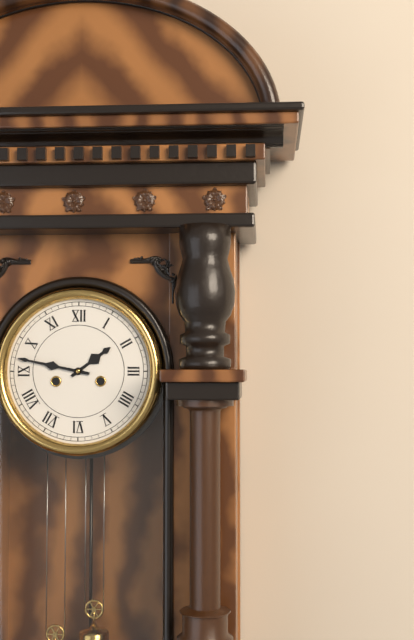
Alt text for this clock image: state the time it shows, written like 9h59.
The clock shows 1h47
